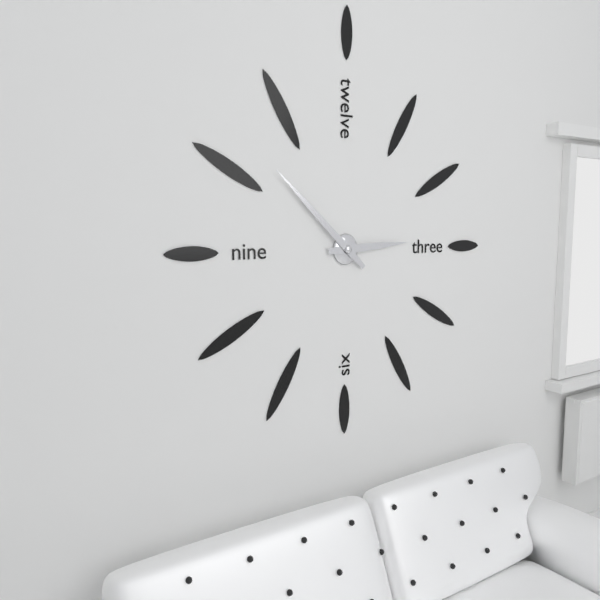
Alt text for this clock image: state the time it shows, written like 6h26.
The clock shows 2h52
